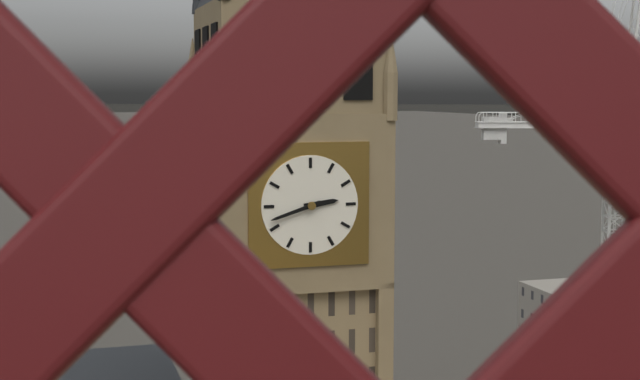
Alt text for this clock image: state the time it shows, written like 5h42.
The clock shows 2h42
